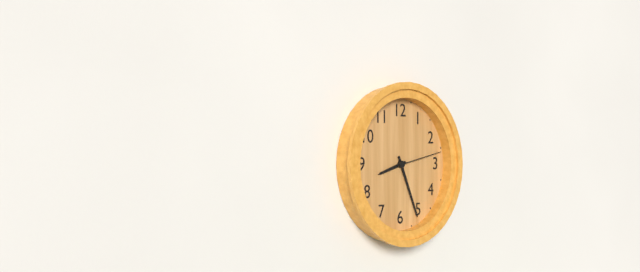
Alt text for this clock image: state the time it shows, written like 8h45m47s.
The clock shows 8h26m13s
